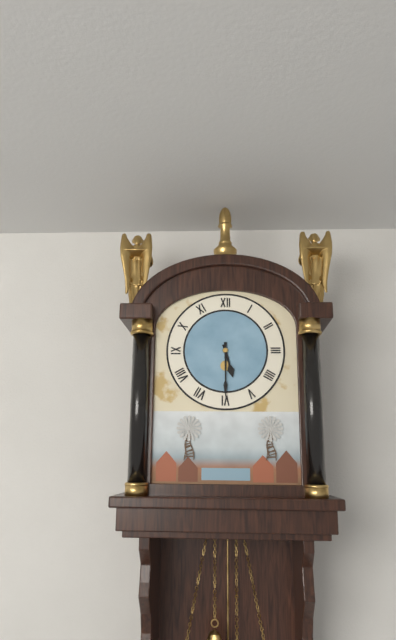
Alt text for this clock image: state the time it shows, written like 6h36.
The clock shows 5h30
